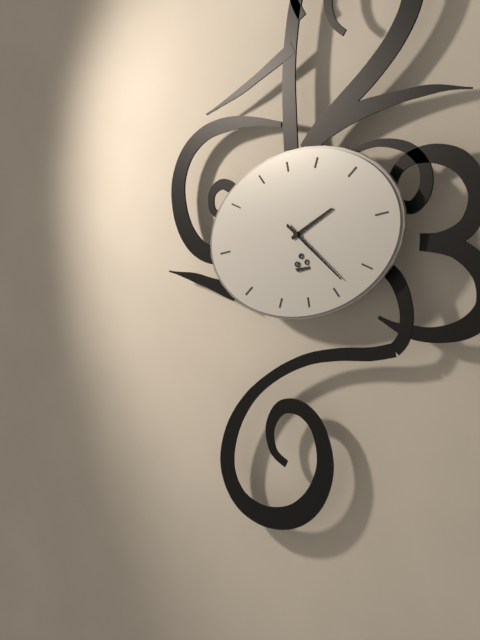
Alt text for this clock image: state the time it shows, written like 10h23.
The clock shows 2h23
